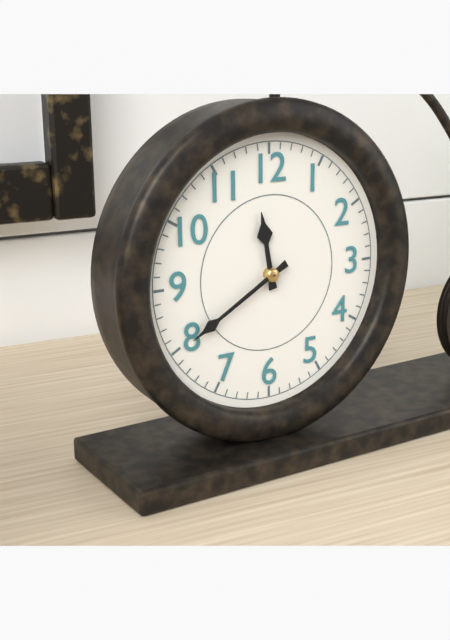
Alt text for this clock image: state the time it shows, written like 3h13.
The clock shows 11h40
